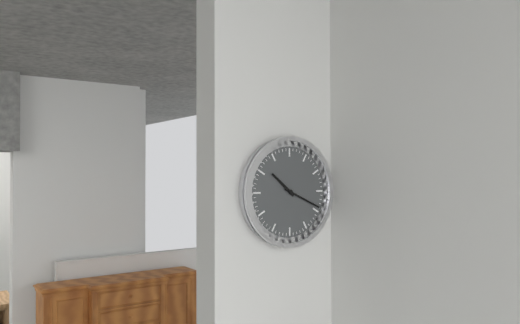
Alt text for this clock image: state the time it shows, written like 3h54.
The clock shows 10h19
